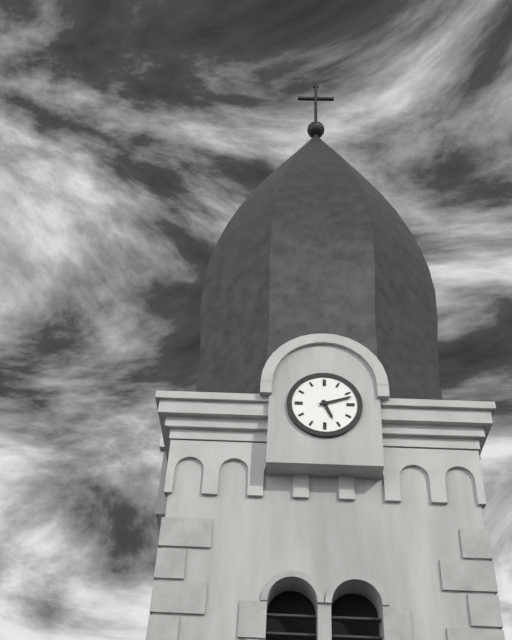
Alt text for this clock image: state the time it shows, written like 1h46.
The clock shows 5h12
